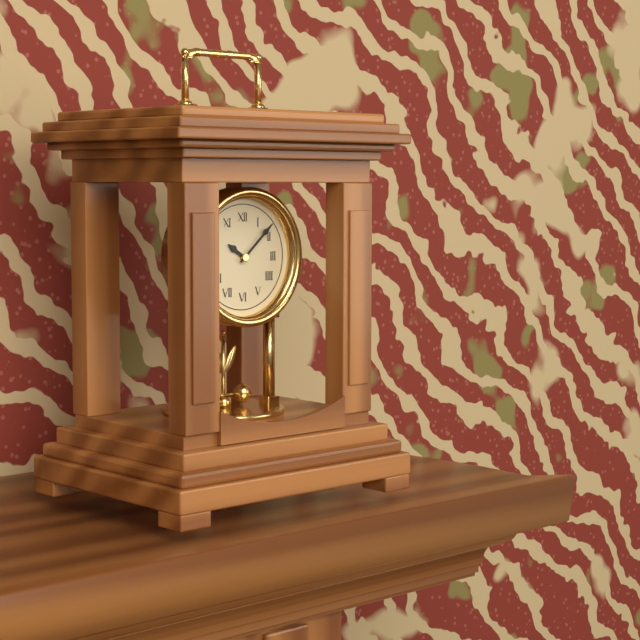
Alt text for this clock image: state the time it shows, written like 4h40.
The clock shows 10h08
